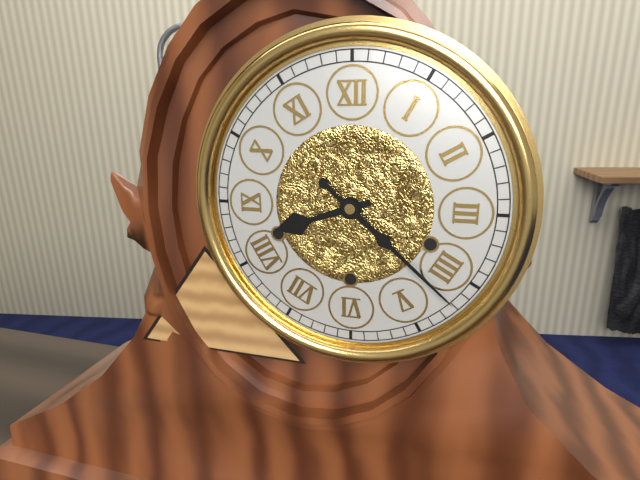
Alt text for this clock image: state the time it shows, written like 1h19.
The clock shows 8h22
